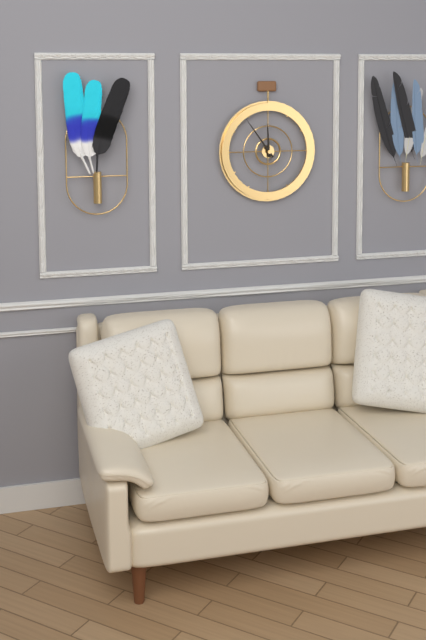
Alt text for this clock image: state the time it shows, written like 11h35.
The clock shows 11h54
